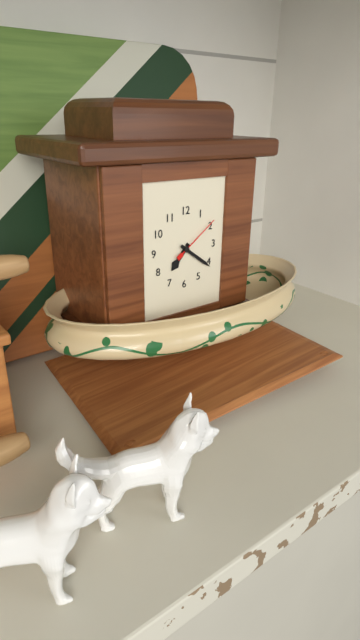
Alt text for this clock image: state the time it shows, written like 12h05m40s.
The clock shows 7h21m09s
